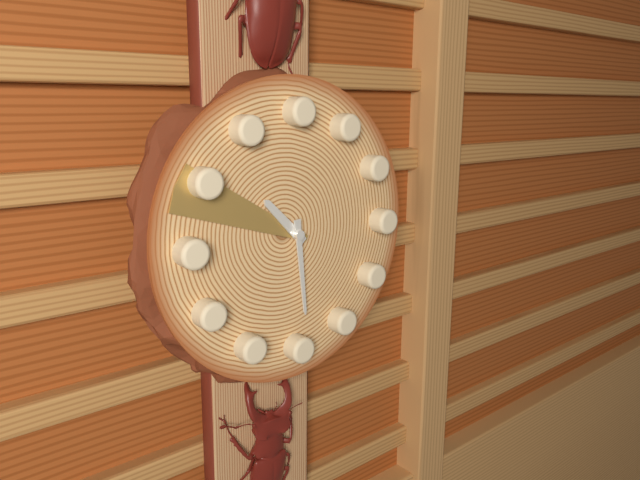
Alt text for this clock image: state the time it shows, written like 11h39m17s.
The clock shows 10h29m49s
